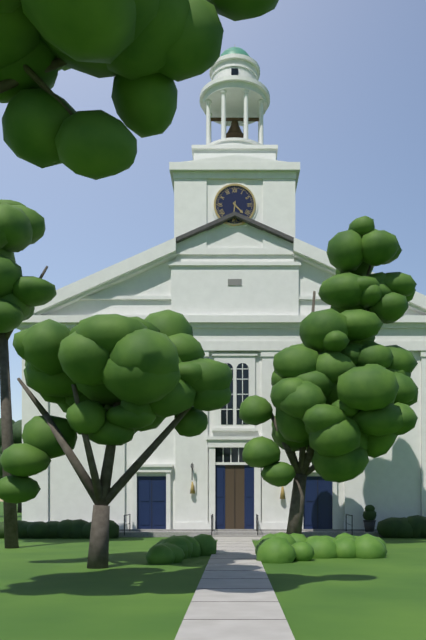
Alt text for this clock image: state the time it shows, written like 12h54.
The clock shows 4h31
